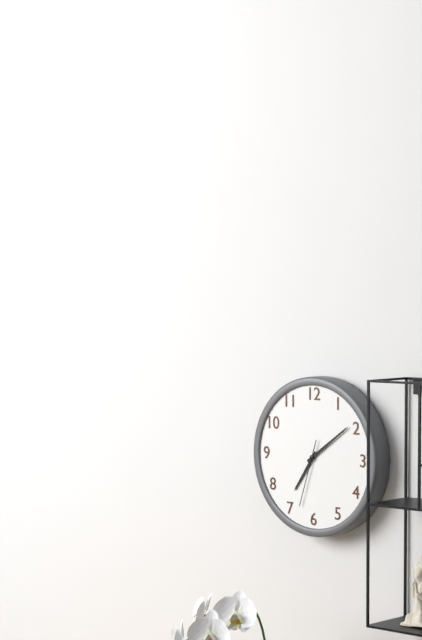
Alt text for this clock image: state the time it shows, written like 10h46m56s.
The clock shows 7h09m33s
